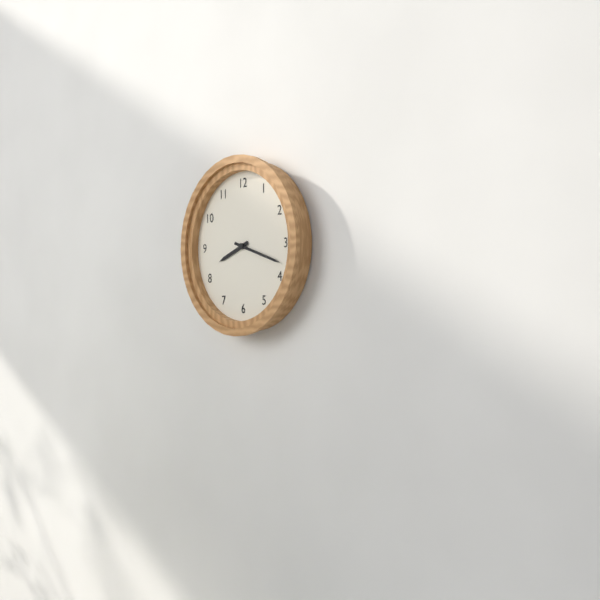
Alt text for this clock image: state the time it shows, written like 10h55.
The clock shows 8h18
